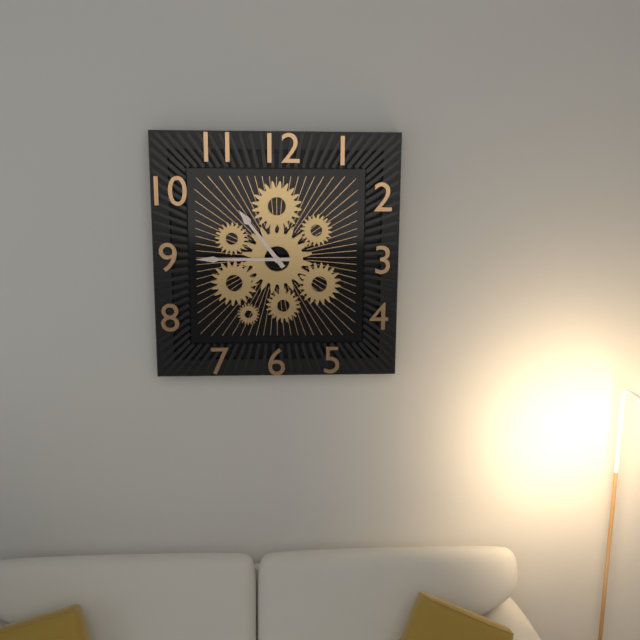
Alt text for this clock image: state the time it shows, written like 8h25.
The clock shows 10h45
